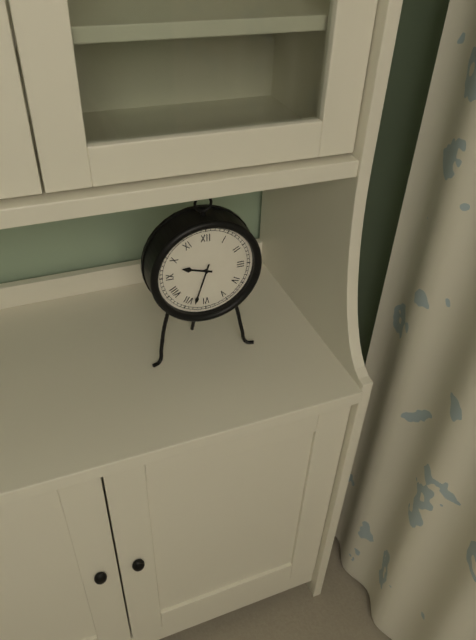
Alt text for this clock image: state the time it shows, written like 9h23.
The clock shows 9h33
